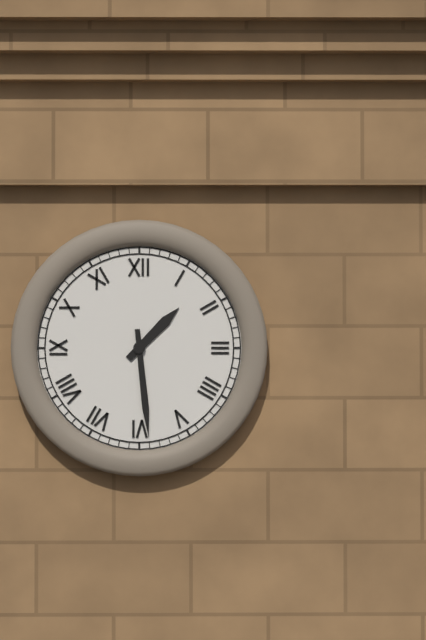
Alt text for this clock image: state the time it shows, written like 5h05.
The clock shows 1h29
